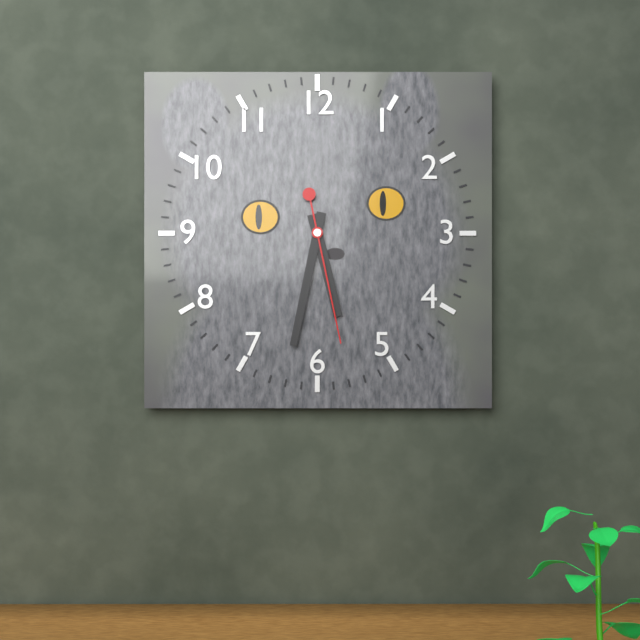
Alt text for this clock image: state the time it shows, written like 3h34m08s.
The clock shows 5h32m28s
